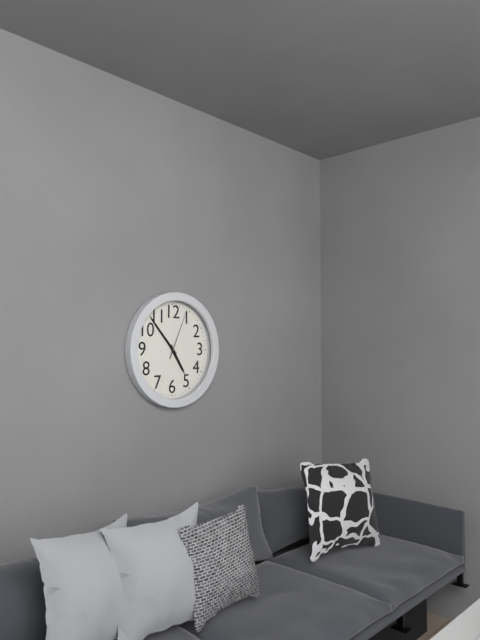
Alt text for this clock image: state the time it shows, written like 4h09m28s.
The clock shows 4h53m04s
